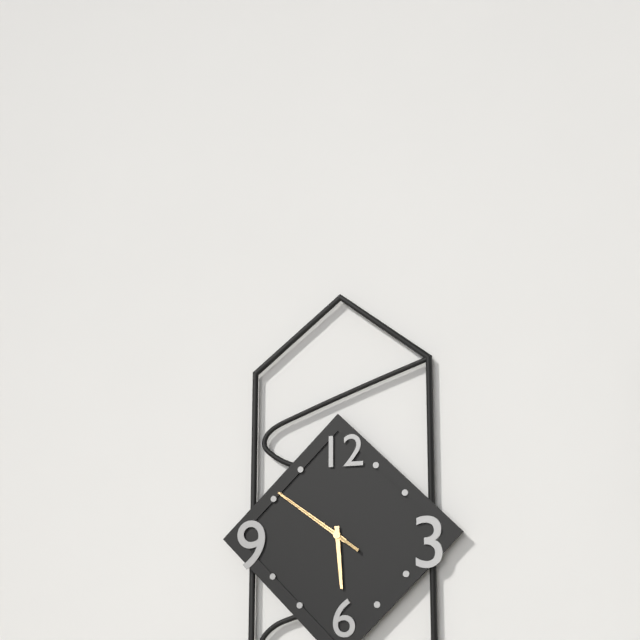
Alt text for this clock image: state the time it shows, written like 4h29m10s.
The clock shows 5h51m51s
